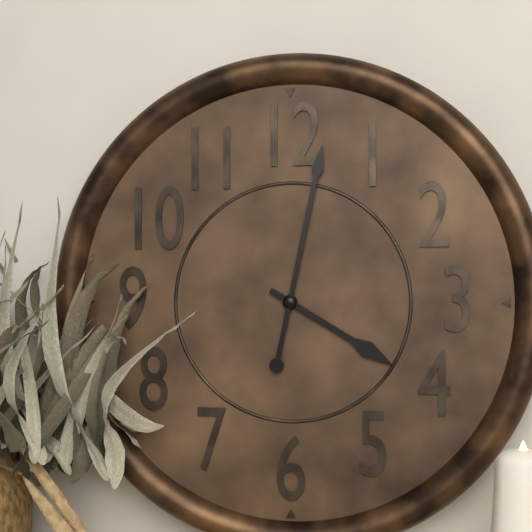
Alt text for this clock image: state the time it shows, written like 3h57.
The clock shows 4h02
